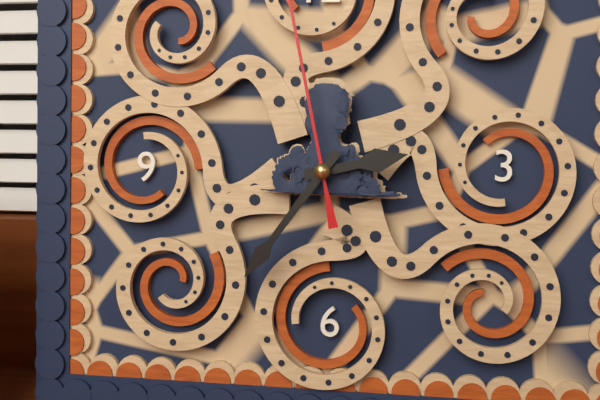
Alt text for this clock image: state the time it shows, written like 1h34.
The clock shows 2h36
